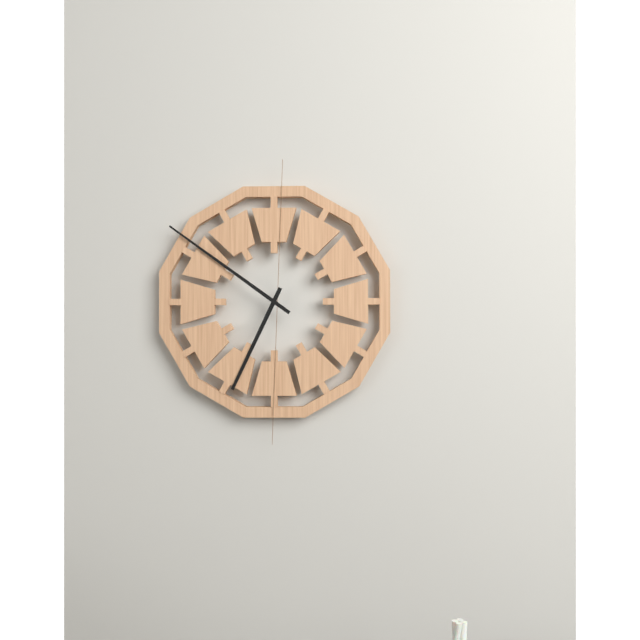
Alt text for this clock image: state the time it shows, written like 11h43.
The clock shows 6h51
